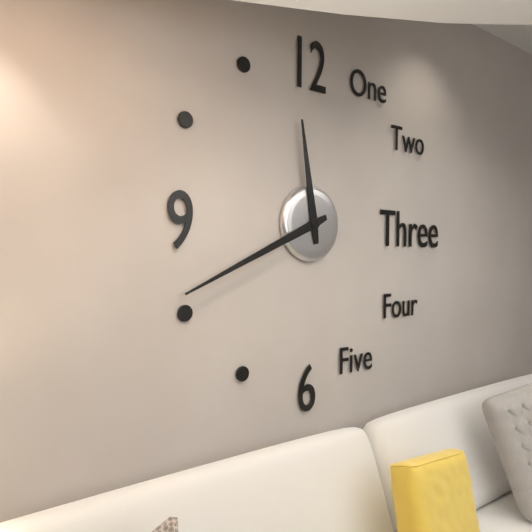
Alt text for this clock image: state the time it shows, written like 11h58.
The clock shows 11h41
